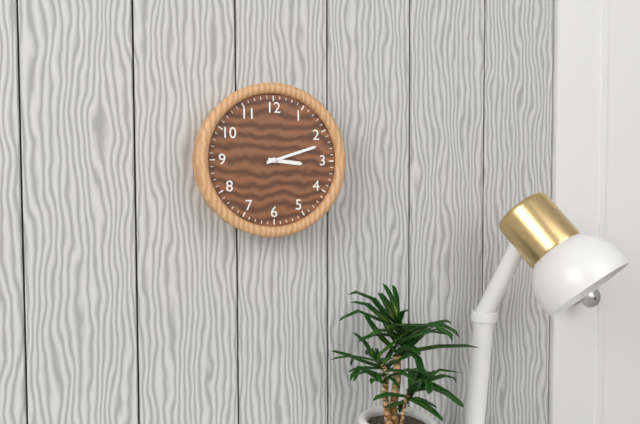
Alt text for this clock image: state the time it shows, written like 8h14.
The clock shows 3h12
